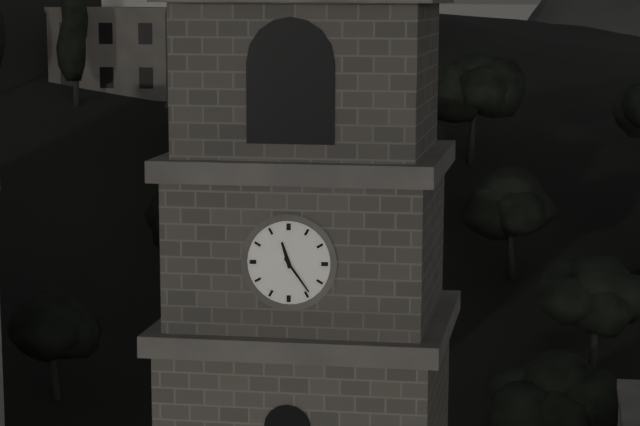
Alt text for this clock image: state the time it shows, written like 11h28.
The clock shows 11h24
